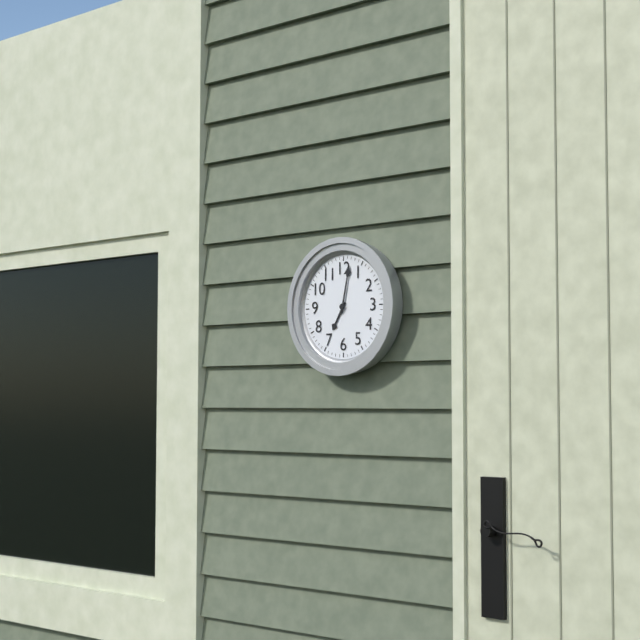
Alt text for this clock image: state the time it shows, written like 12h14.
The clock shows 7h02
